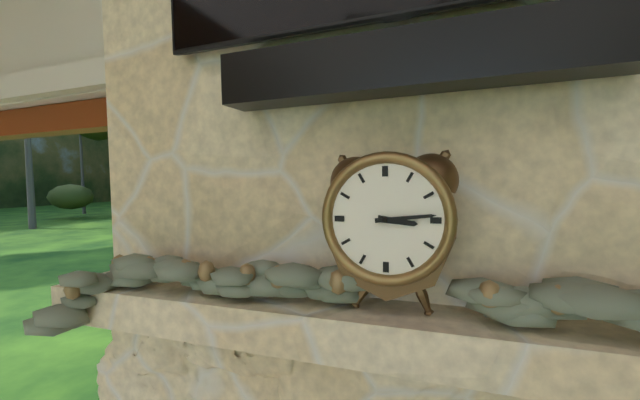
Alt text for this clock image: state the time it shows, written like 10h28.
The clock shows 3h14
